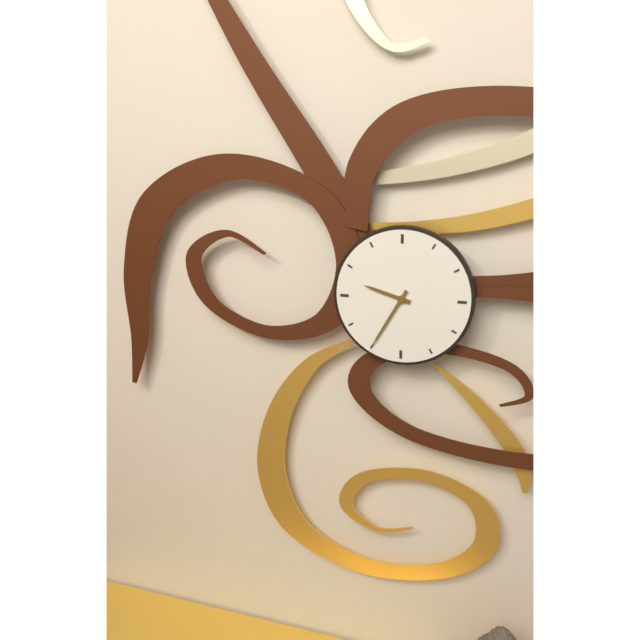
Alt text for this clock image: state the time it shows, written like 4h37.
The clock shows 9h35
